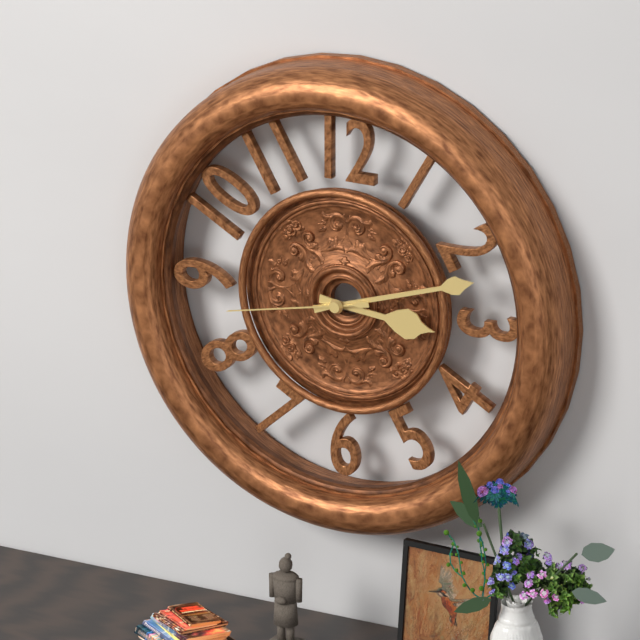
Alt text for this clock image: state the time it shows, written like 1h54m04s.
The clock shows 3h12m43s
